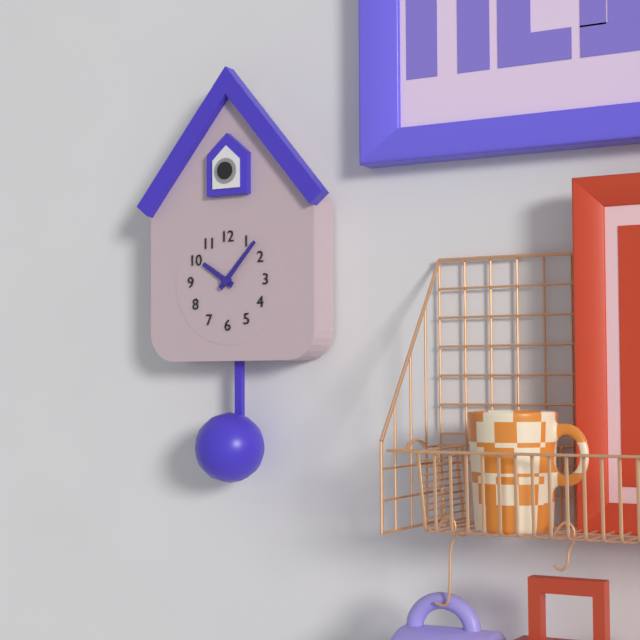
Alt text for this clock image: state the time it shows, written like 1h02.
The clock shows 10h07
